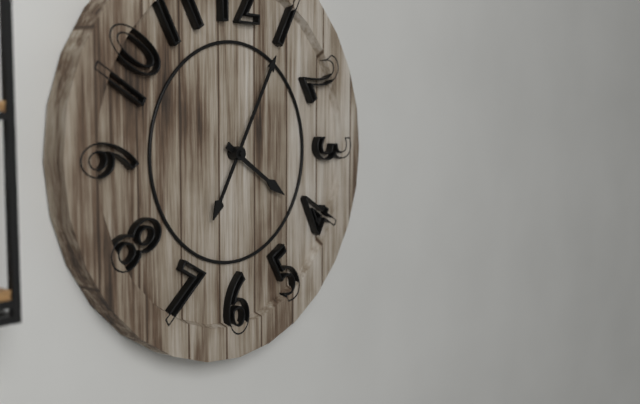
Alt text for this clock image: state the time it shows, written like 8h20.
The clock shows 4h05
